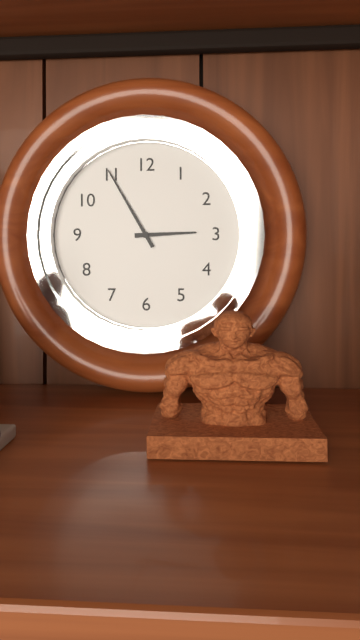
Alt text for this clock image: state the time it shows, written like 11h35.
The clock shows 2h55
